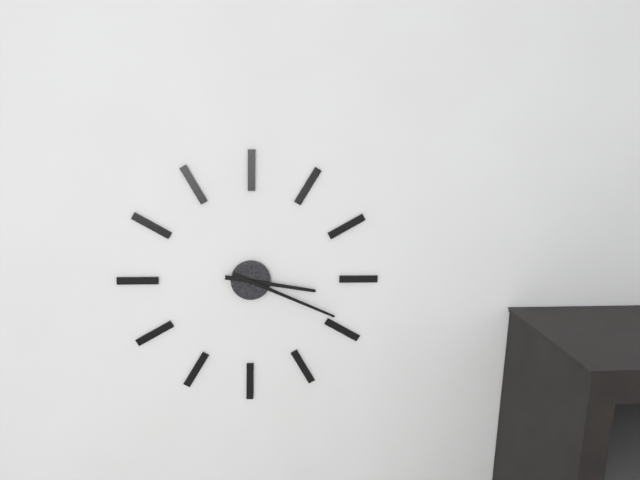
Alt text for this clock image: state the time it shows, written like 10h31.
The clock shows 3h19
